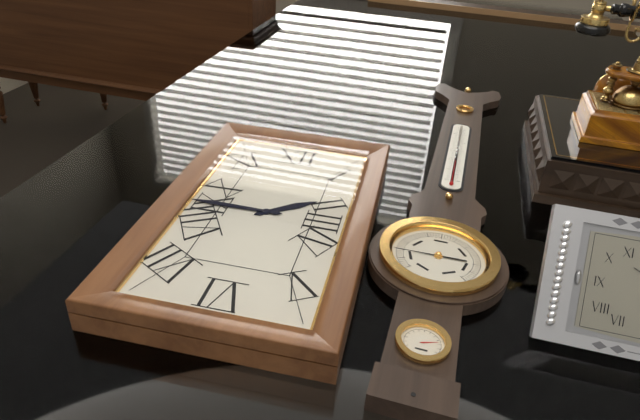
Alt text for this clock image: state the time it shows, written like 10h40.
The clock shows 1h45
